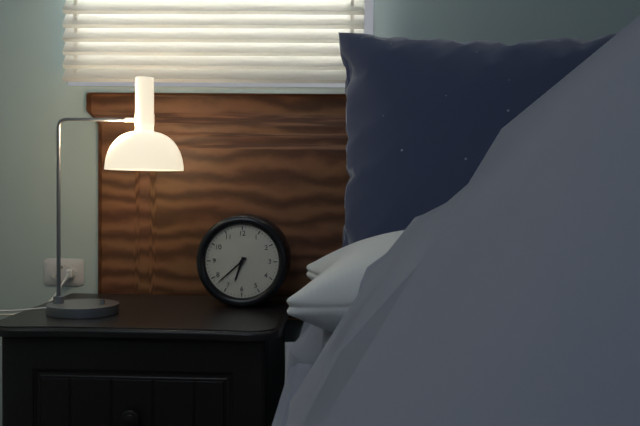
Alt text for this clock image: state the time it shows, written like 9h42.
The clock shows 6h38
